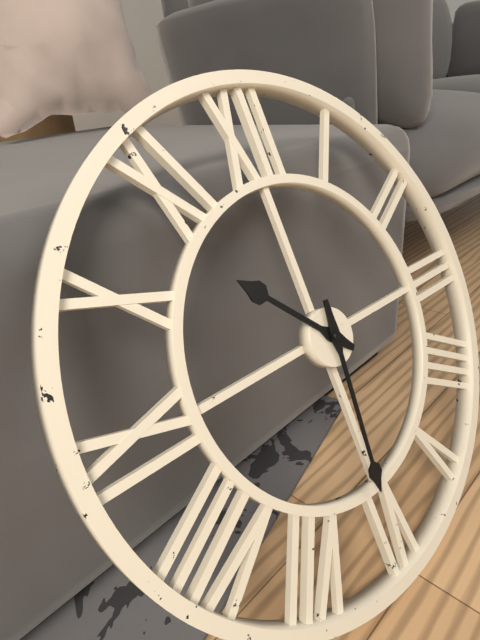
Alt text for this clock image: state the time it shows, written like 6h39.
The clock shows 10h31
